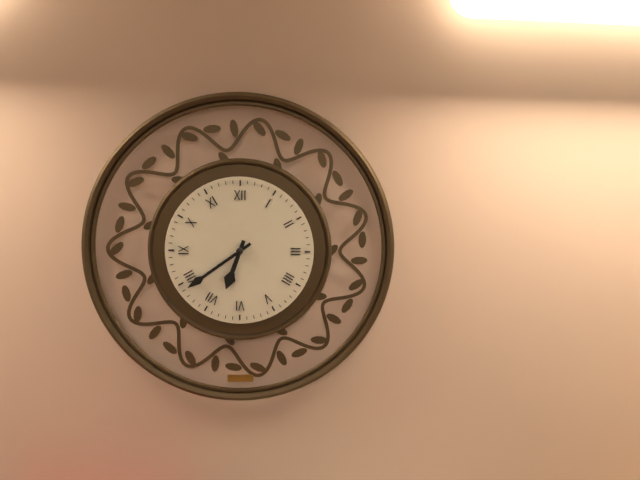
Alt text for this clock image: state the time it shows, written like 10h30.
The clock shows 6h39
